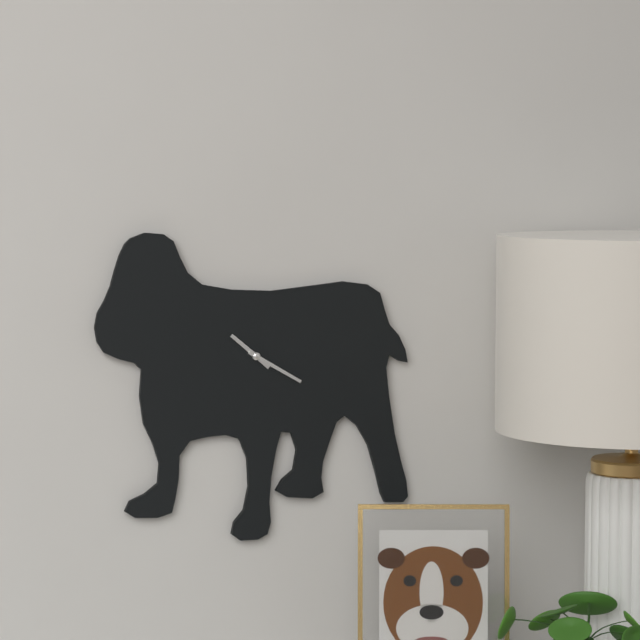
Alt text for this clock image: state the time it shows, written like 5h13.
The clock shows 10h20
